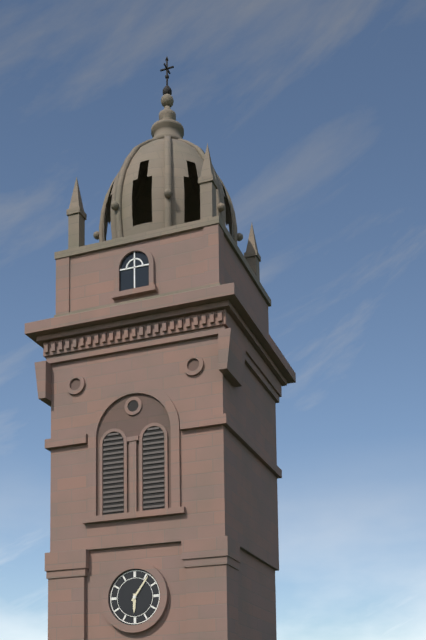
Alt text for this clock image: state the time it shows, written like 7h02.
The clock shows 6h06
